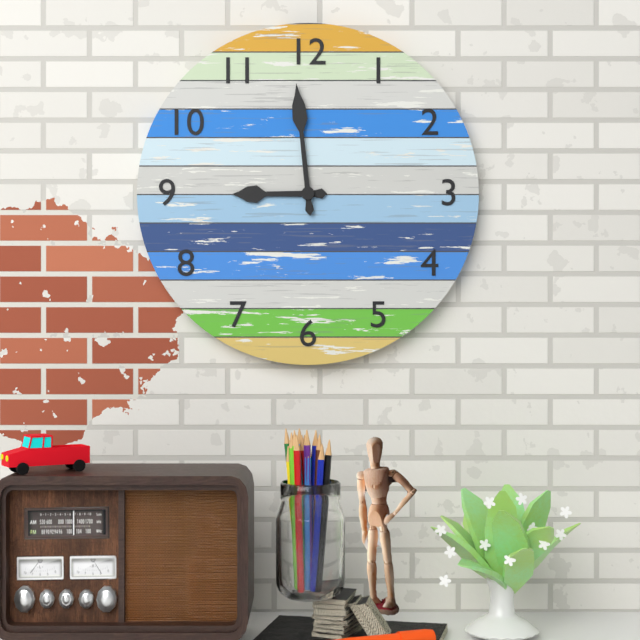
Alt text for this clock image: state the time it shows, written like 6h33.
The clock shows 8h59
